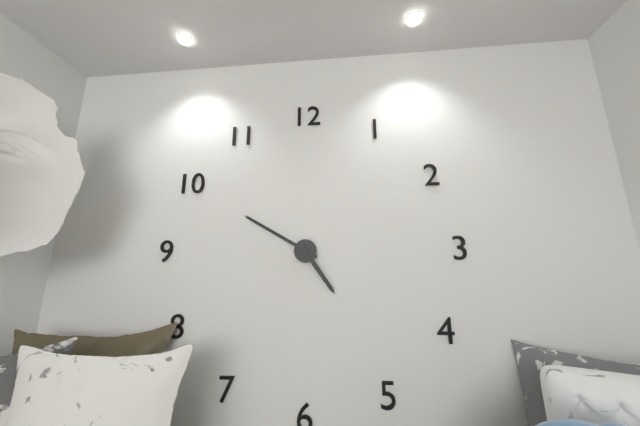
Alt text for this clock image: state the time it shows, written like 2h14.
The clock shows 4h50
